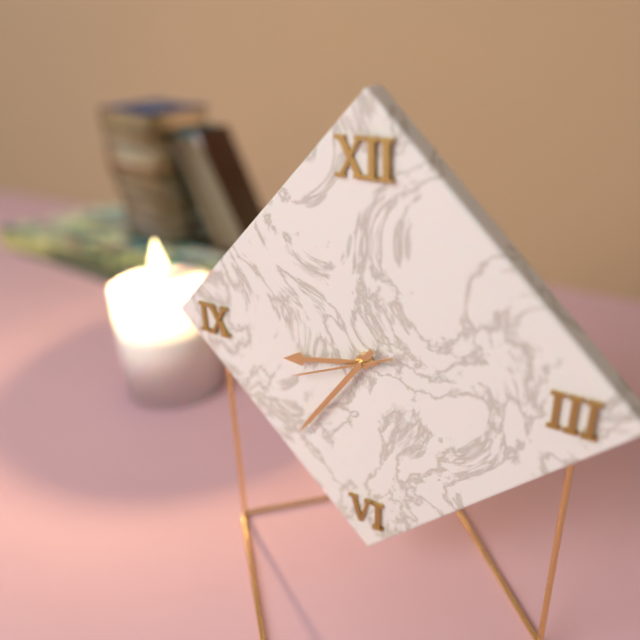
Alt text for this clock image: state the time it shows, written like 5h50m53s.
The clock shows 8h36m41s
